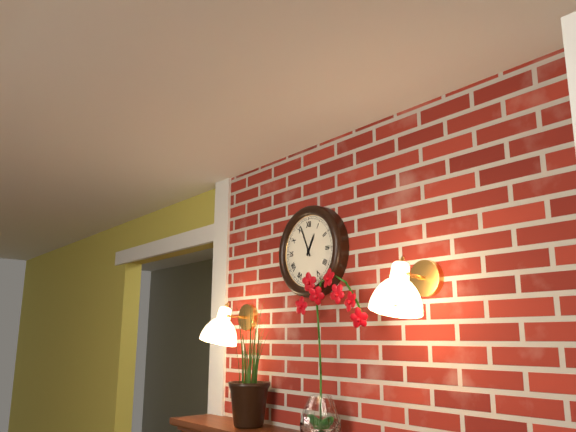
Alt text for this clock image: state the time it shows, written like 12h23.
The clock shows 12h56
